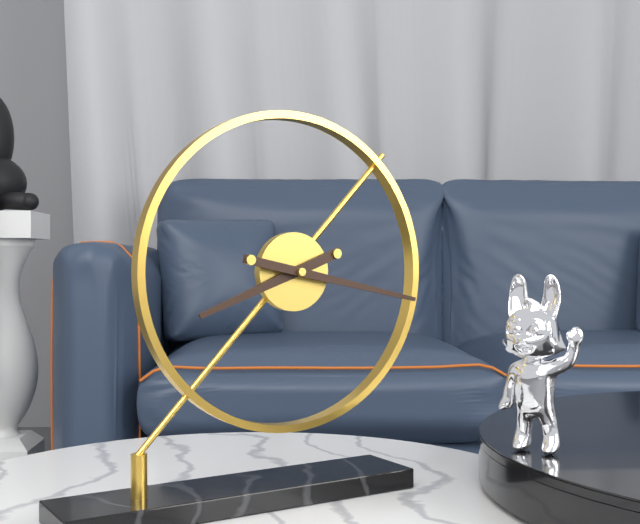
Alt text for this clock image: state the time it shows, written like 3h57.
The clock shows 8h17
